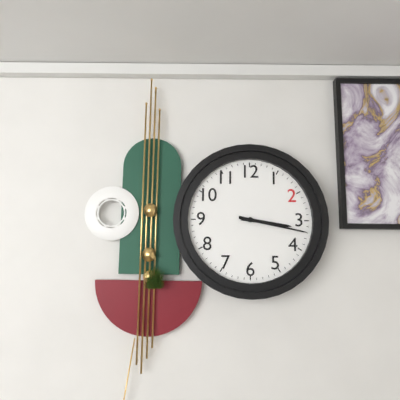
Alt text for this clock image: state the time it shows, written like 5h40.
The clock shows 3h17
